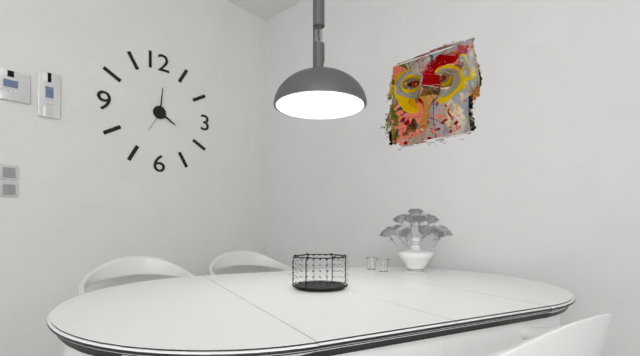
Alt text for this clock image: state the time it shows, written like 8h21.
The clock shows 4h01
